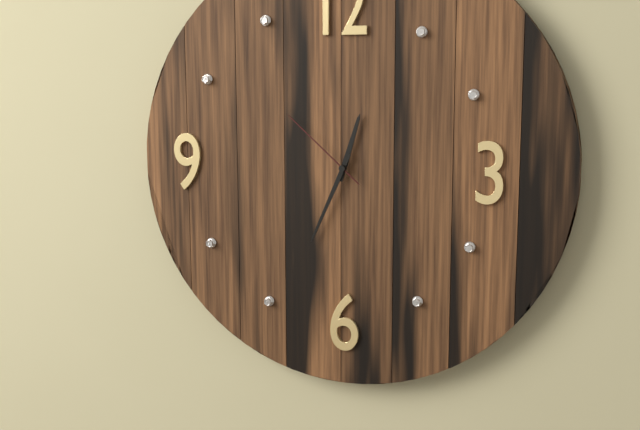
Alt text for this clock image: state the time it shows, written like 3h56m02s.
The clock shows 12h34m52s
